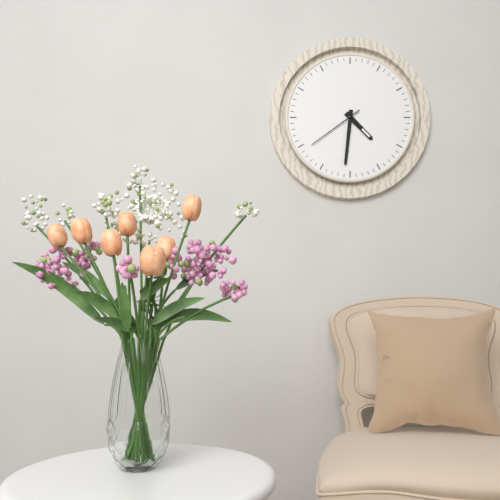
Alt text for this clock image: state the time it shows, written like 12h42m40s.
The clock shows 4h31m39s
